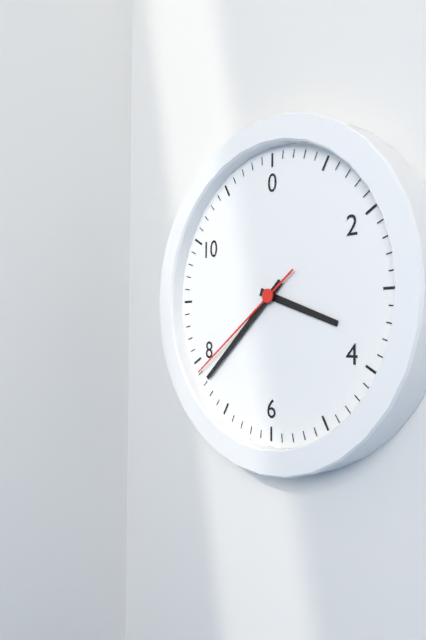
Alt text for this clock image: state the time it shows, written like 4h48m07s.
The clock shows 3h38m39s
